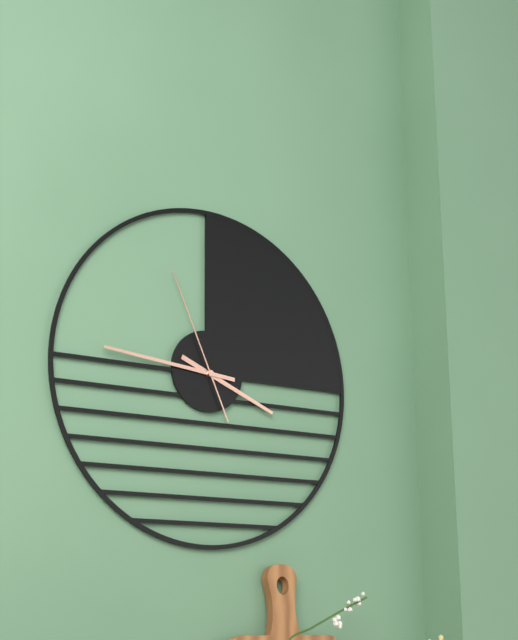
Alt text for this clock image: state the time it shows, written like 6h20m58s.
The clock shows 3h46m56s
